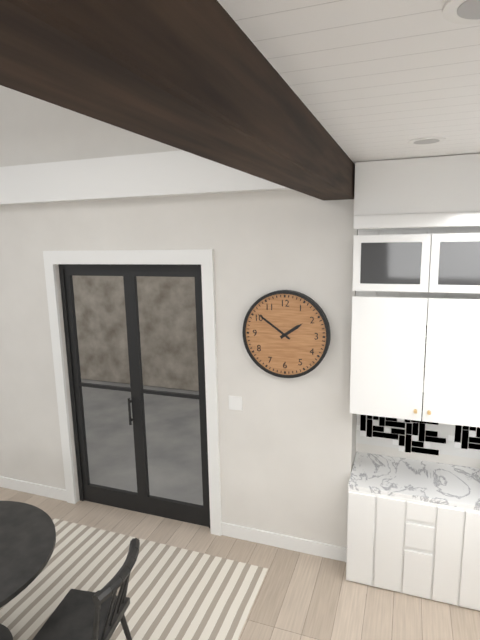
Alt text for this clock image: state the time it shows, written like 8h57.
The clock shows 1h51
